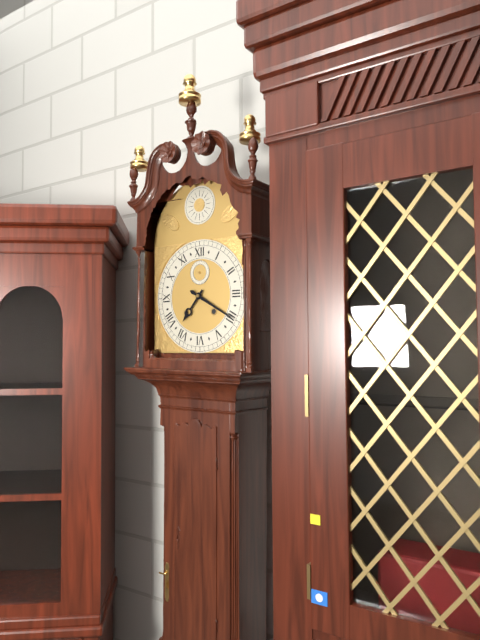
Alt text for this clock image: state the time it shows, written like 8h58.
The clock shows 7h20
